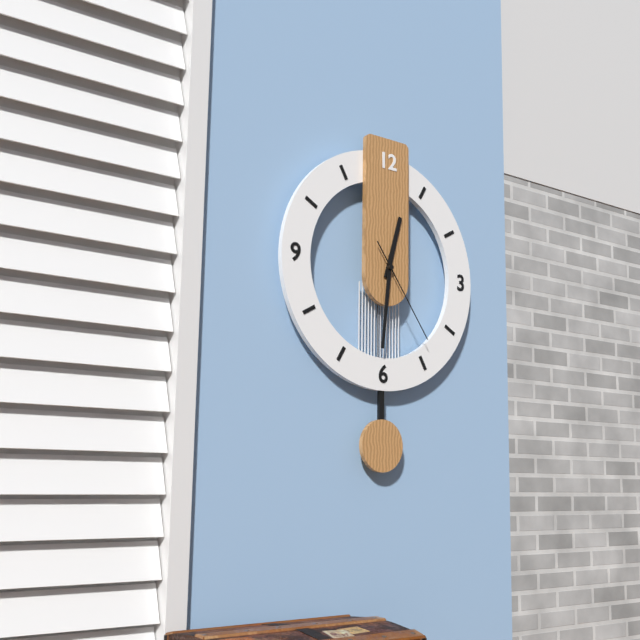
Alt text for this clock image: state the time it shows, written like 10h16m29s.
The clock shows 12h31m24s
